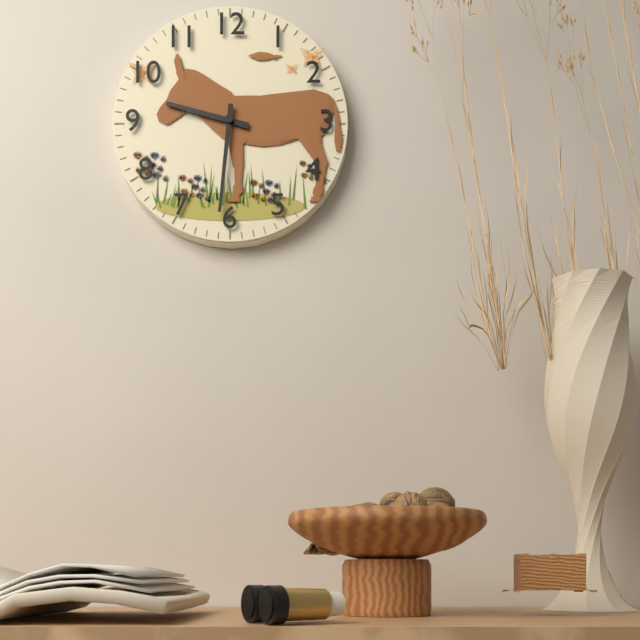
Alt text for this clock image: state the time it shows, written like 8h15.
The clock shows 9h31
